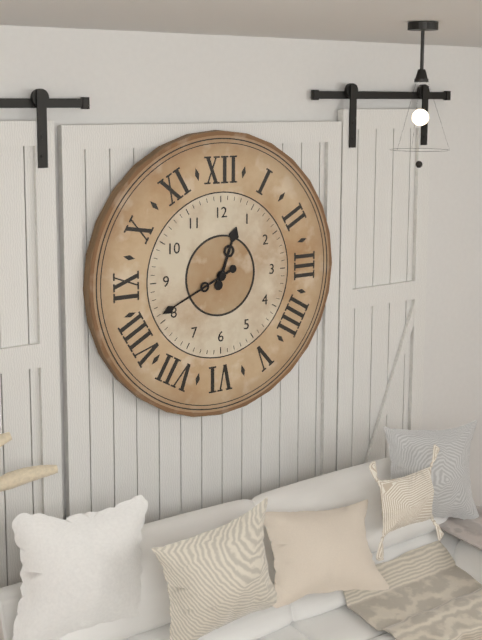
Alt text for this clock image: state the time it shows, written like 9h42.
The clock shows 12h41
